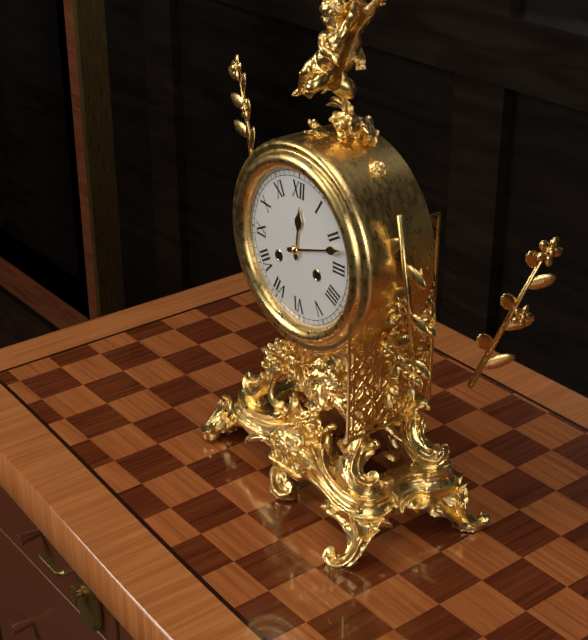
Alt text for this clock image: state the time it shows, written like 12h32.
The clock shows 12h12
